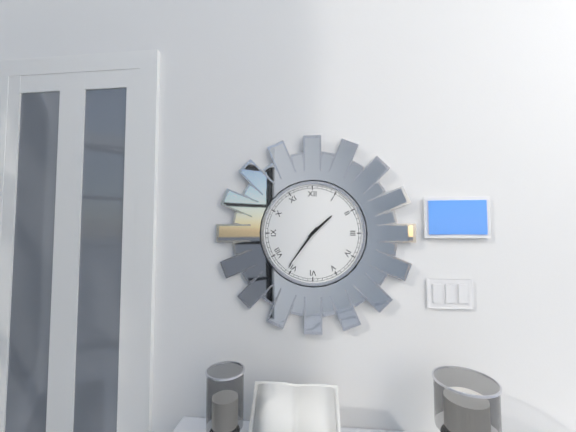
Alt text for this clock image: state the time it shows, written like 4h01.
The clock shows 1h36
